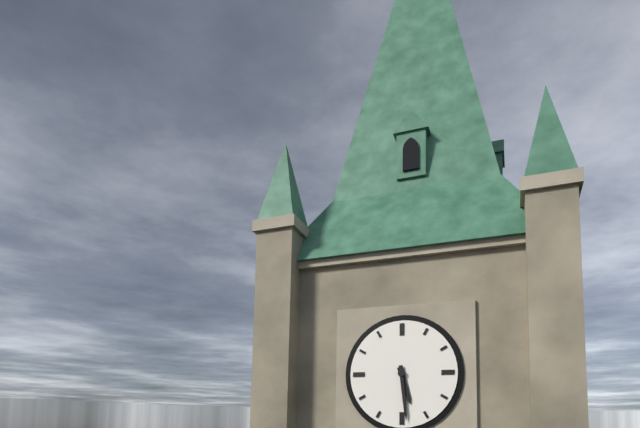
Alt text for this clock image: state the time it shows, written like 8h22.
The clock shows 5h29
